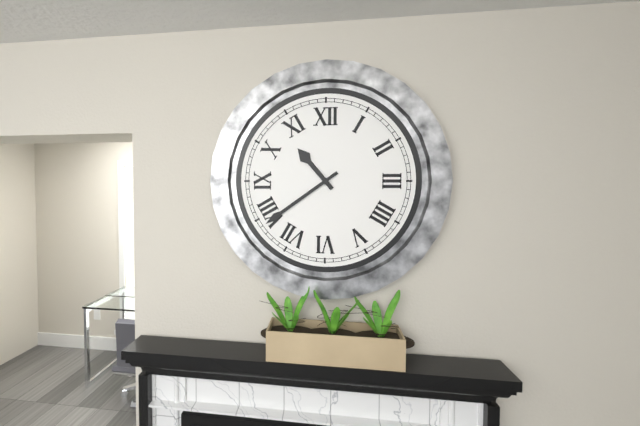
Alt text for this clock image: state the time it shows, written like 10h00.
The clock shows 10h39
